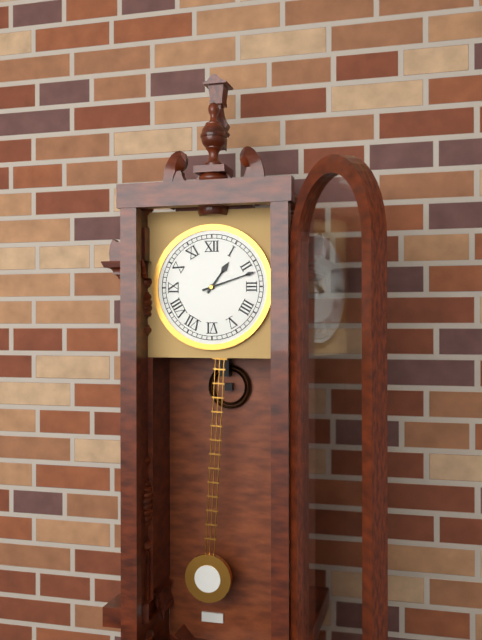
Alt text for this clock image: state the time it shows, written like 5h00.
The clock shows 1h12
